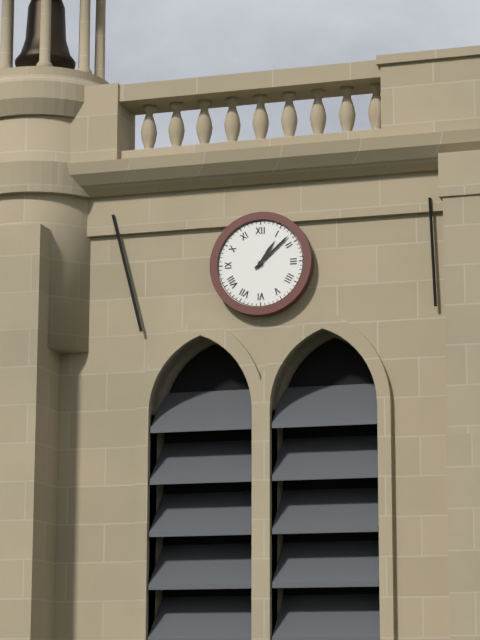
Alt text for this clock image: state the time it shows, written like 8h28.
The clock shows 1h08
